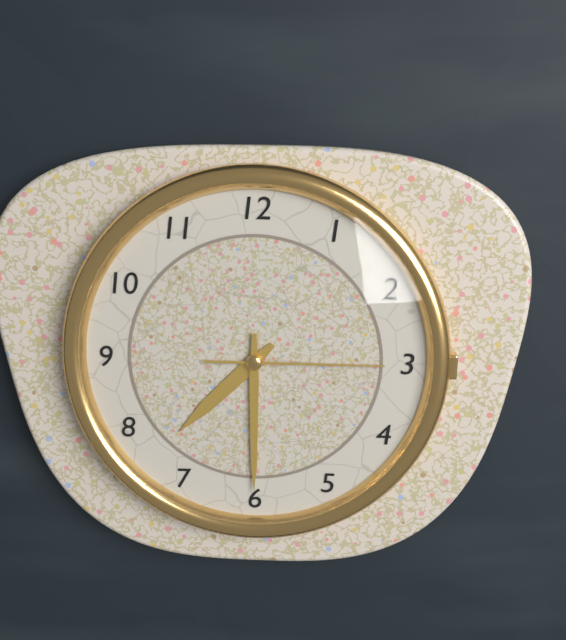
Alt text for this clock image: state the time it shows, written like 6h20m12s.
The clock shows 7h30m15s
